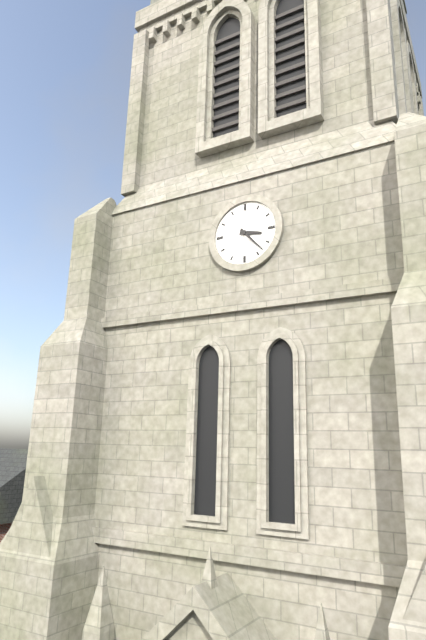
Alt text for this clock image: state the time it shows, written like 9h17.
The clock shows 3h23
